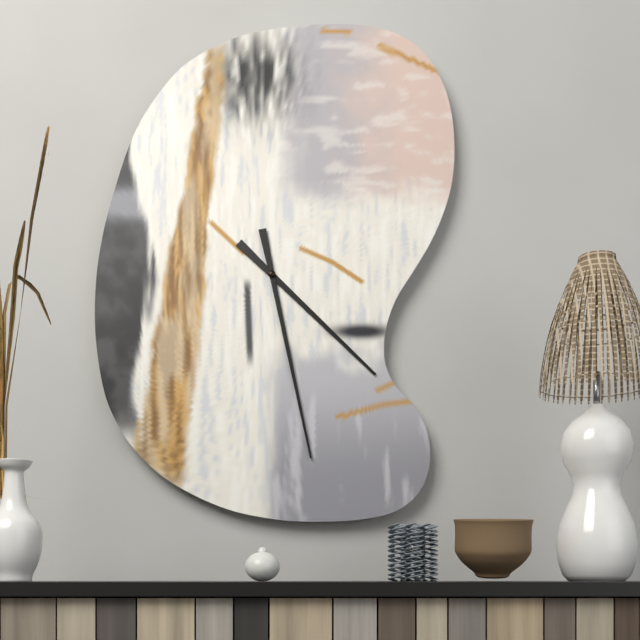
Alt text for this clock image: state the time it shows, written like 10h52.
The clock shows 4h28
